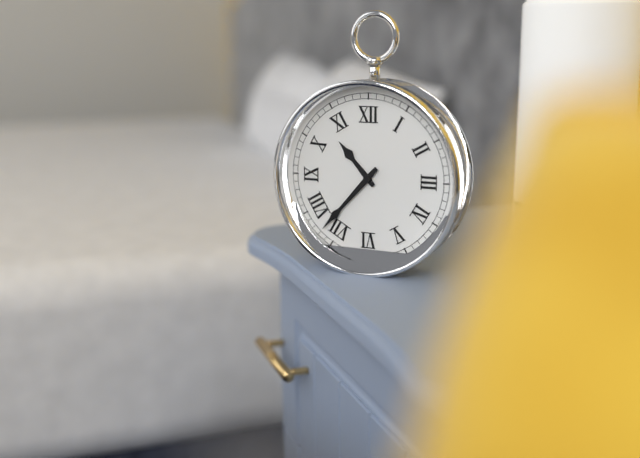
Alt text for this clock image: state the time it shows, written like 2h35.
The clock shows 10h37
